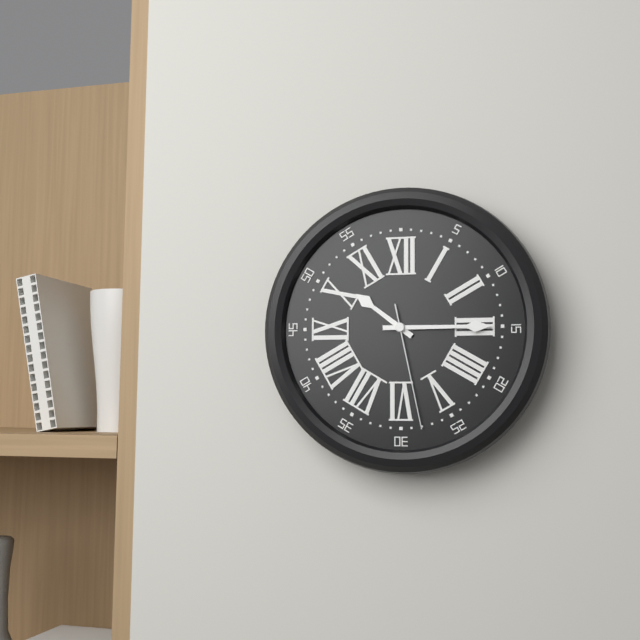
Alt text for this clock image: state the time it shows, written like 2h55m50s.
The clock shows 10h15m28s
